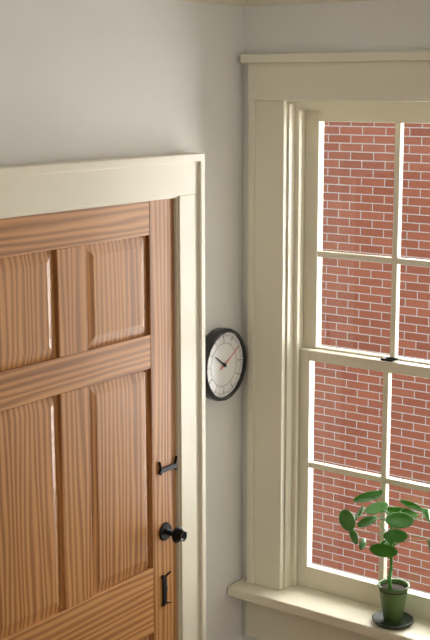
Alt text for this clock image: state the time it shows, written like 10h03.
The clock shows 10h10
